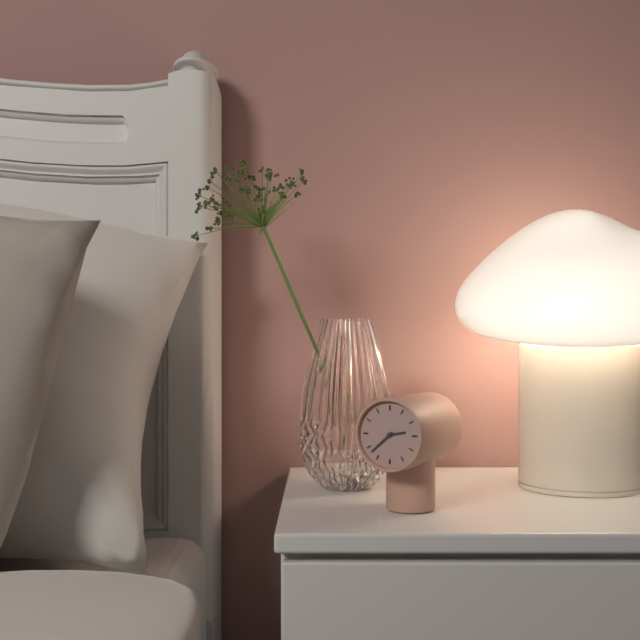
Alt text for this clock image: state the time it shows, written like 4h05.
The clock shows 2h38
